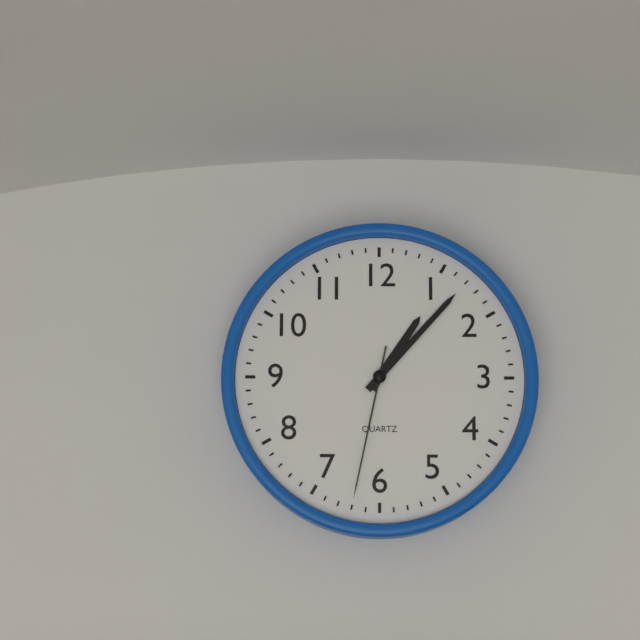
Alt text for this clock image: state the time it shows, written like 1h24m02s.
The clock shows 1h07m32s
